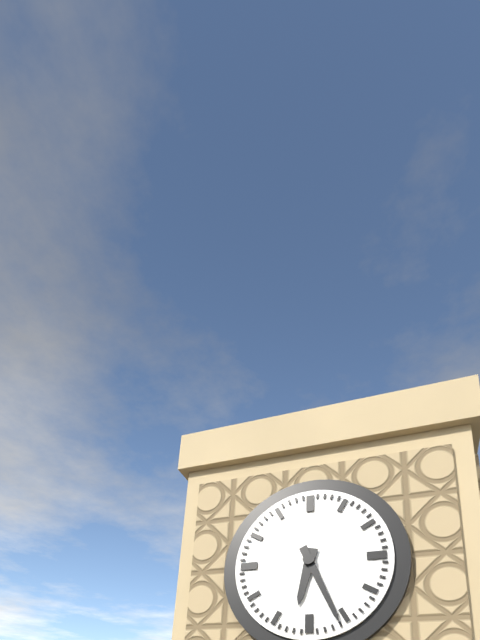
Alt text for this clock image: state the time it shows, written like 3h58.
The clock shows 6h26
